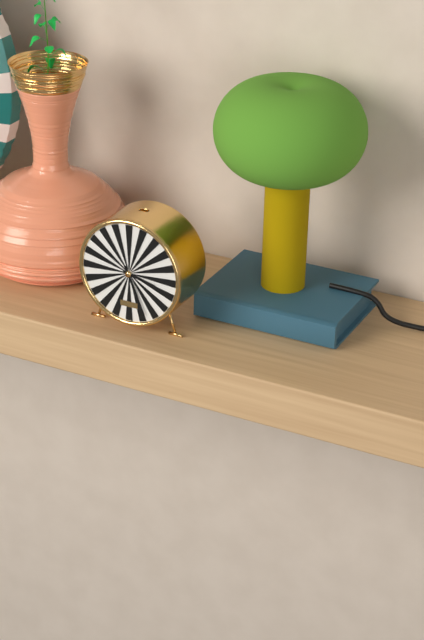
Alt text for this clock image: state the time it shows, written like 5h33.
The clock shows 3h26
